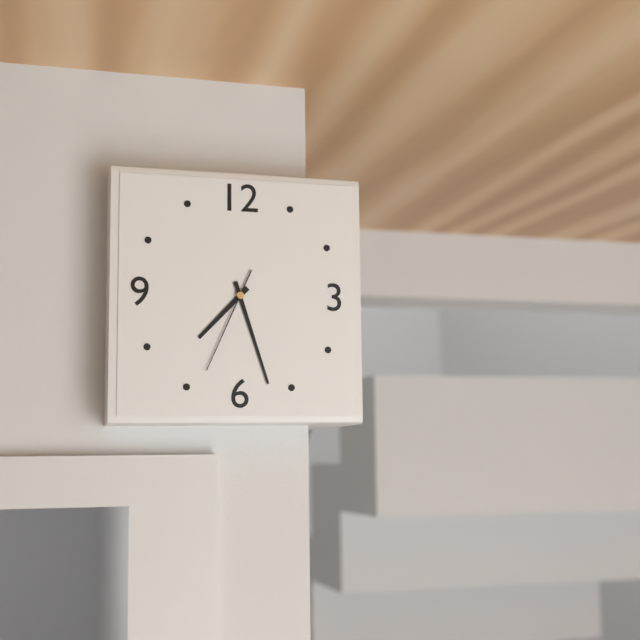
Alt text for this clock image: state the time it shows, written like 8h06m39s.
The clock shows 7h27m34s
